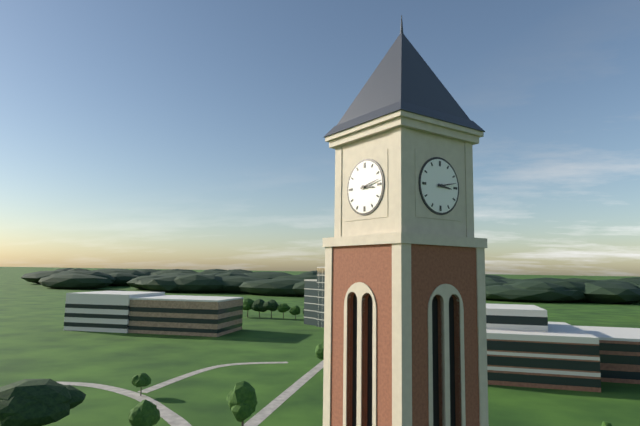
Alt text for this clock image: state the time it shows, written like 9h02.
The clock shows 3h13
